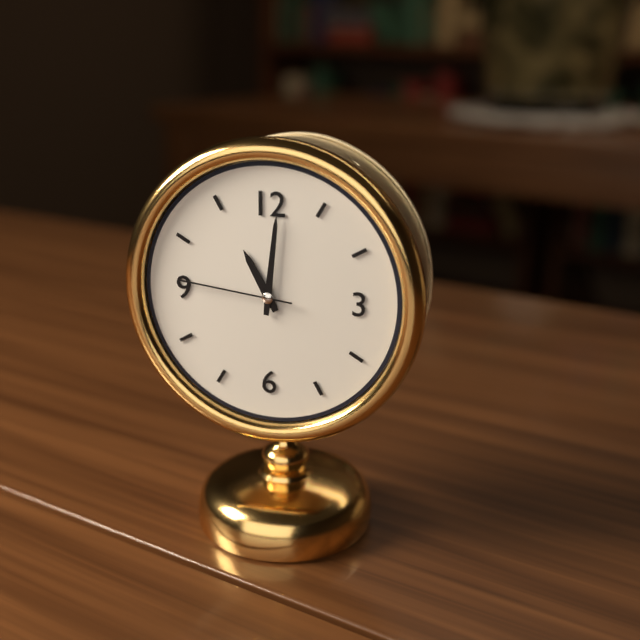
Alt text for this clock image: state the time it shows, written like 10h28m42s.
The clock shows 11h01m46s
